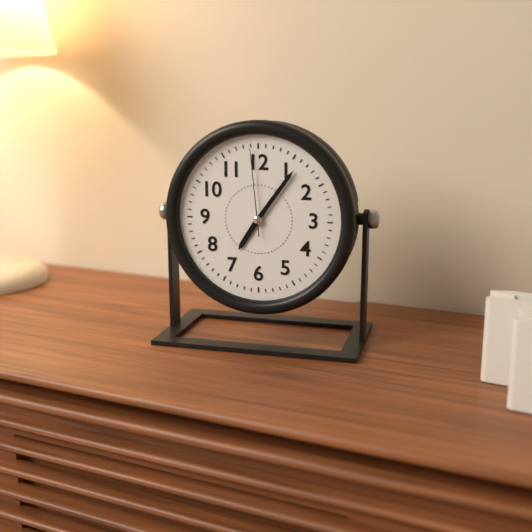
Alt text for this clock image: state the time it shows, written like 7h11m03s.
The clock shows 7h06m59s
